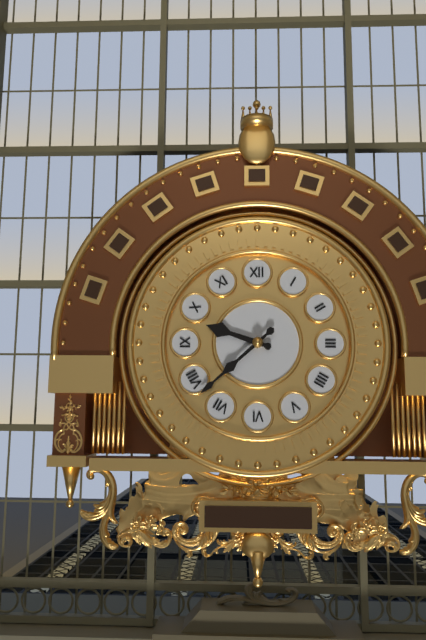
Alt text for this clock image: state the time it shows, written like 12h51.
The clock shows 9h38
